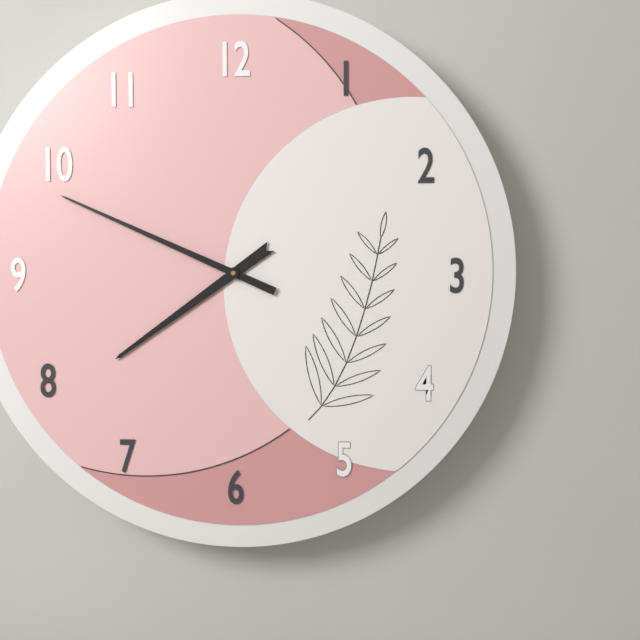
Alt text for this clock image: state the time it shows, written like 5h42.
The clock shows 7h49
